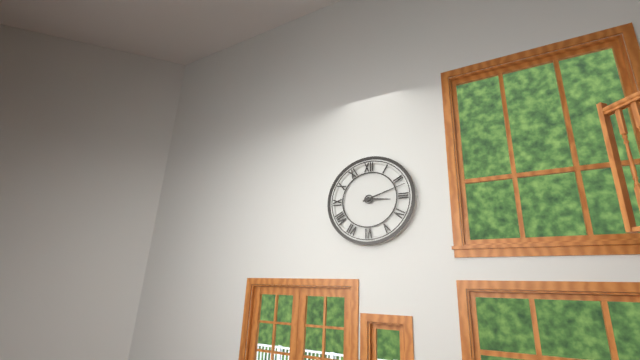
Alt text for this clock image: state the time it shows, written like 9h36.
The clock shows 3h12
